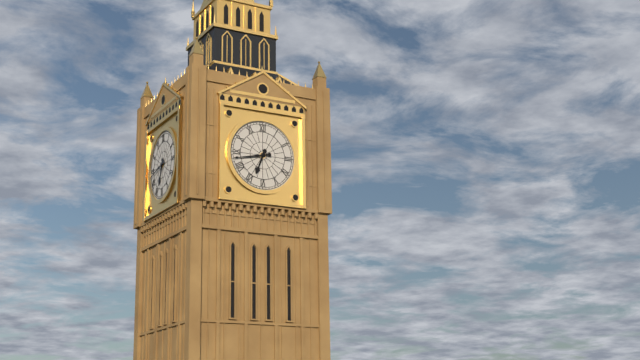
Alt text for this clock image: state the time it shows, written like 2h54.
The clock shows 6h43
